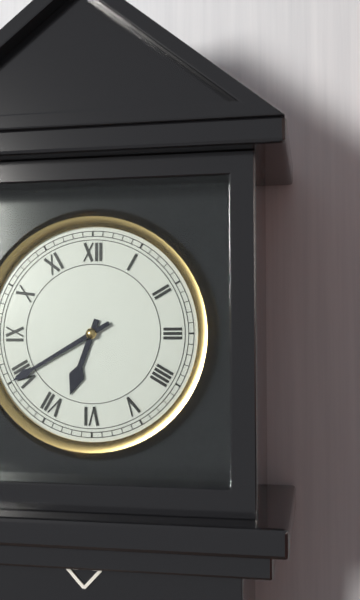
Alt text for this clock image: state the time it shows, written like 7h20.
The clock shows 6h40
